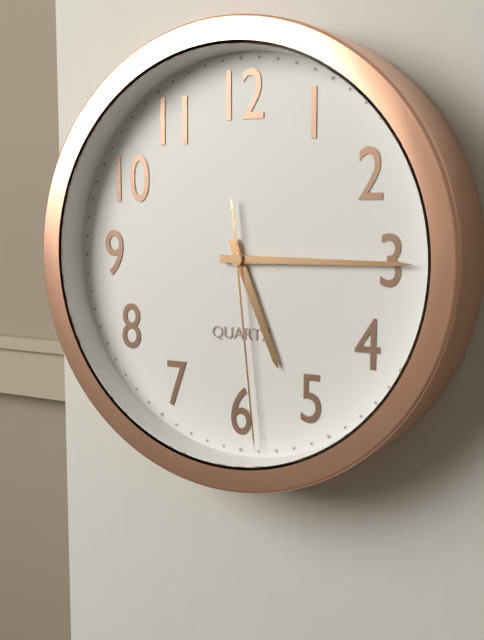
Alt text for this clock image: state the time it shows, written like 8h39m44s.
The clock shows 5h15m29s
